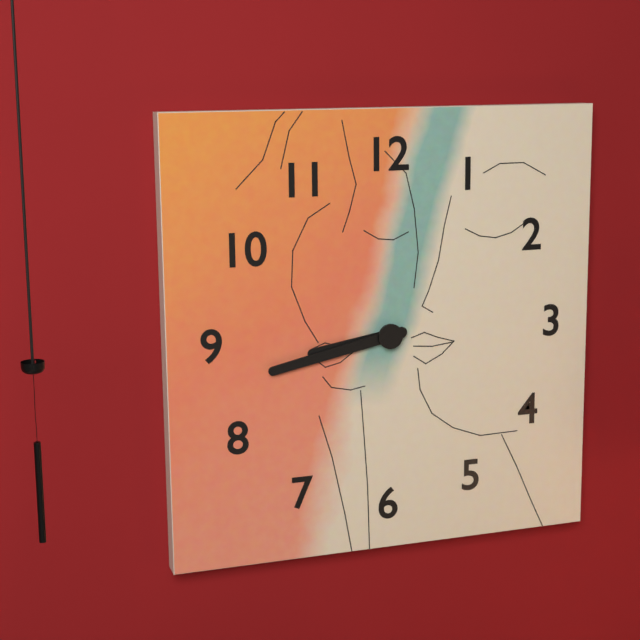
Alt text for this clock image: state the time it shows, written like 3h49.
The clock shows 8h43
